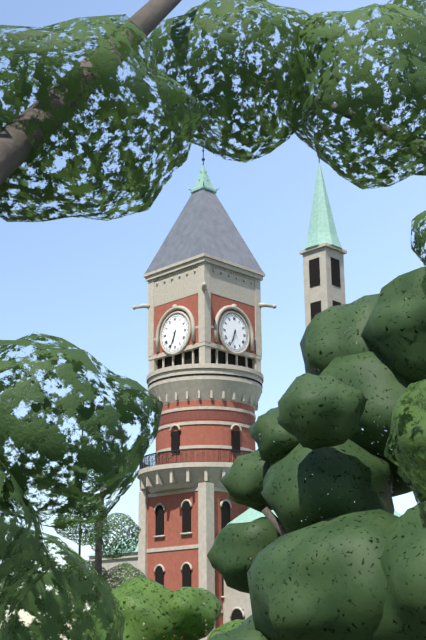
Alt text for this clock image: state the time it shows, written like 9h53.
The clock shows 6h34
